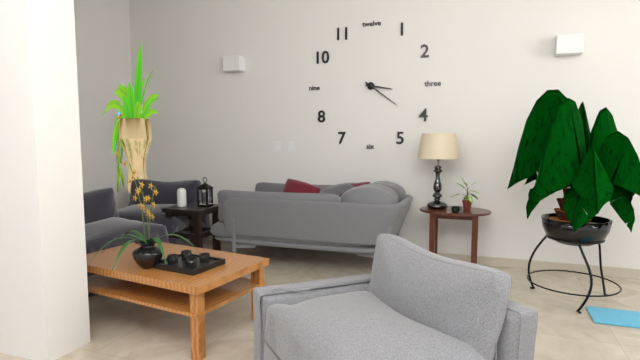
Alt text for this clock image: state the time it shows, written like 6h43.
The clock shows 3h21
